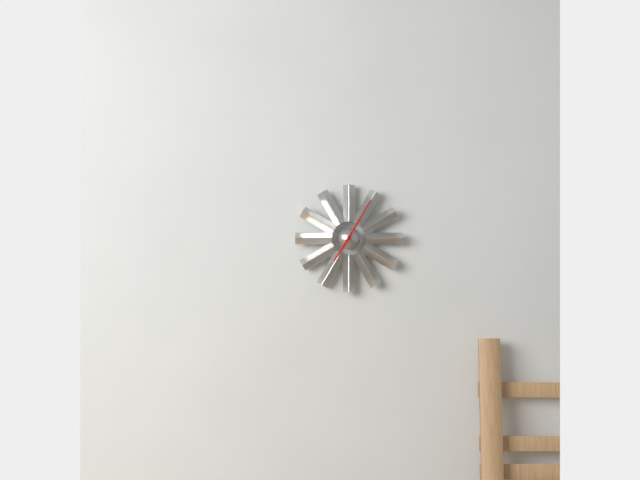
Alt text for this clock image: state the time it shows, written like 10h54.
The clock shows 7h05
